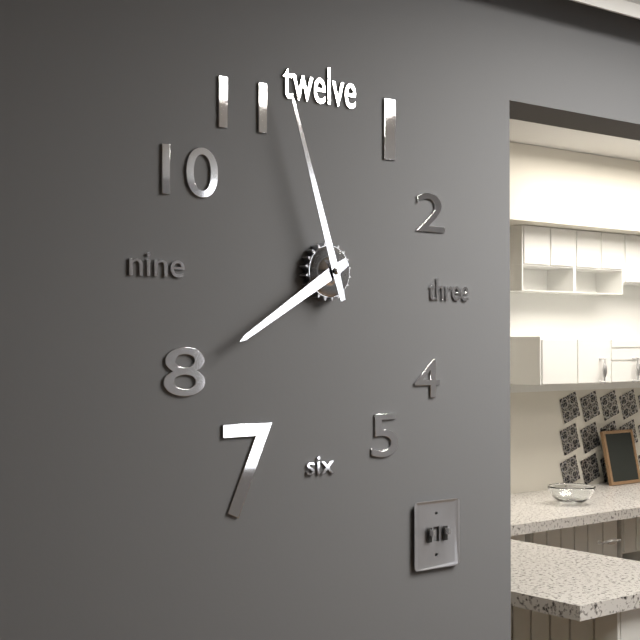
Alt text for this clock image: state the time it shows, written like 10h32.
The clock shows 7h57
